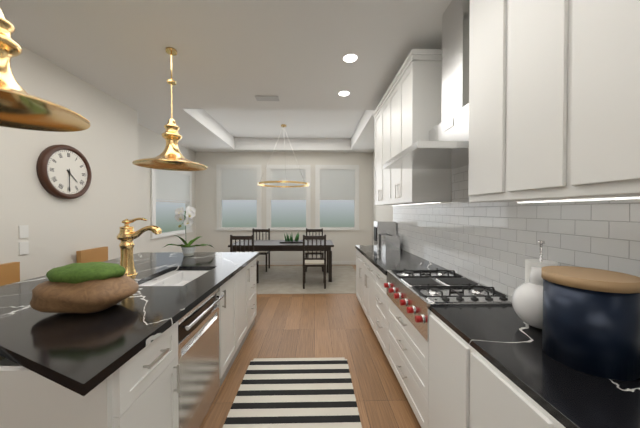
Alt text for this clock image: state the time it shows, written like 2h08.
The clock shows 4h30
